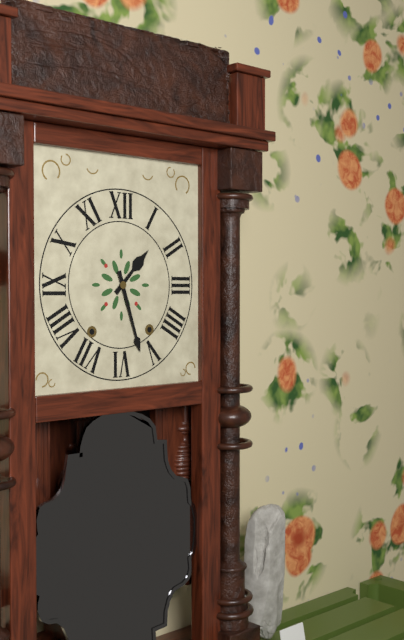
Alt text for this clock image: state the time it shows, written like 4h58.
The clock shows 1h27
